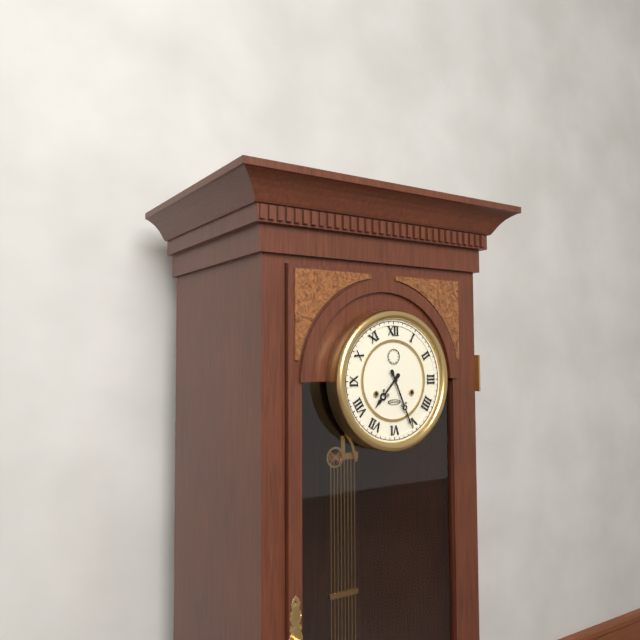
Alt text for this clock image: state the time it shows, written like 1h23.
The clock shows 7h26
